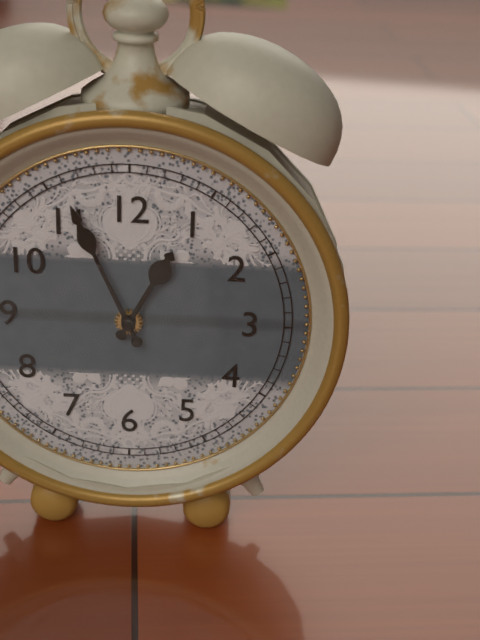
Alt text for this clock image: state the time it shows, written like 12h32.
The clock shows 12h56
